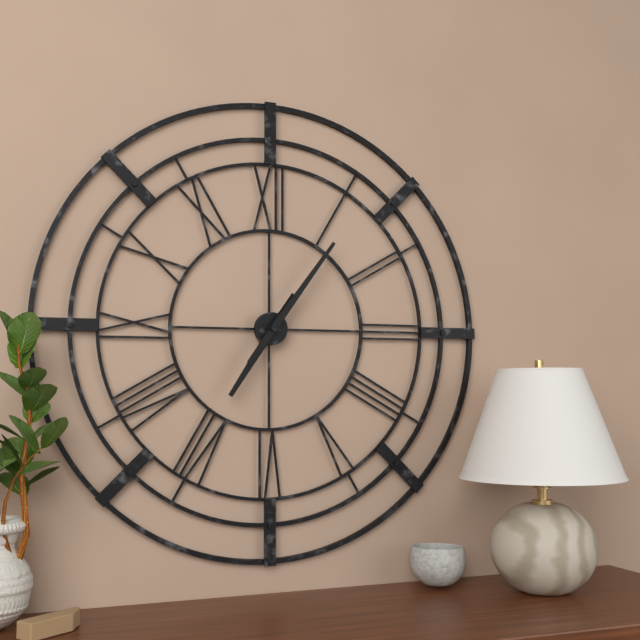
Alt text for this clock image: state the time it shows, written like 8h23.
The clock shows 7h06
